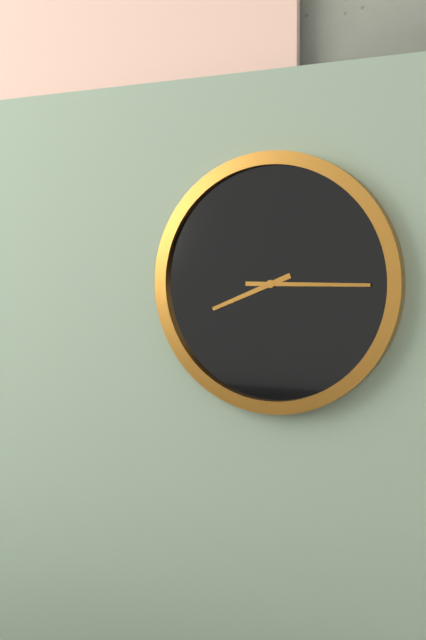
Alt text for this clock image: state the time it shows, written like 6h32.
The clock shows 8h15
